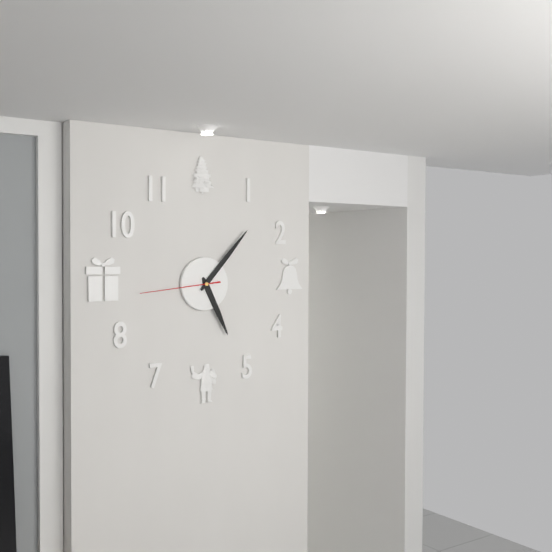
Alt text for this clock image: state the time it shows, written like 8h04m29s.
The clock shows 5h07m44s
